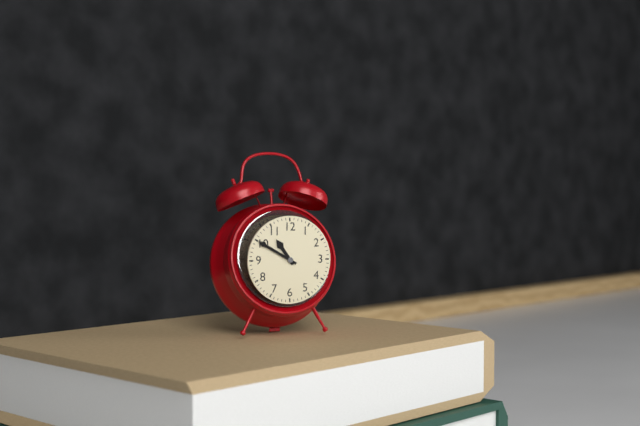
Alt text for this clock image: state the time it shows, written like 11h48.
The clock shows 10h50
